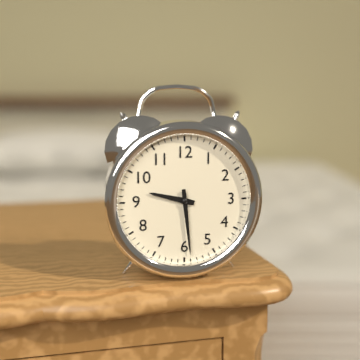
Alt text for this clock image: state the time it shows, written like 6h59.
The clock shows 9h29
